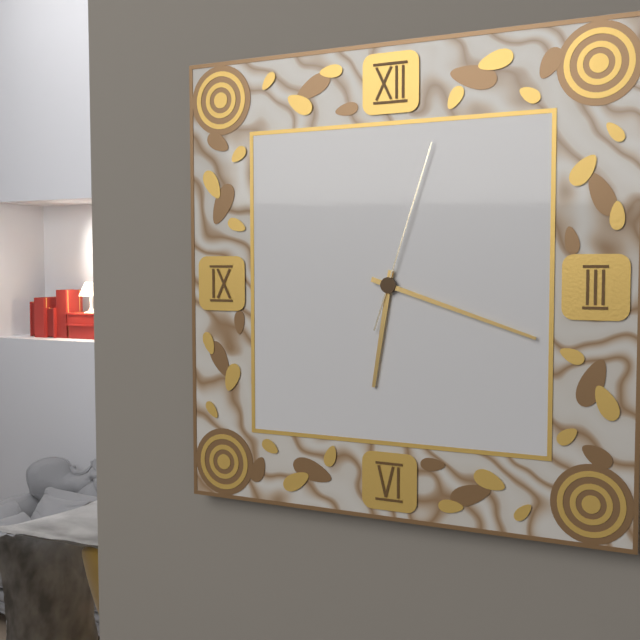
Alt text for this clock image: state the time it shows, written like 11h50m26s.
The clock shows 6h18m03s
